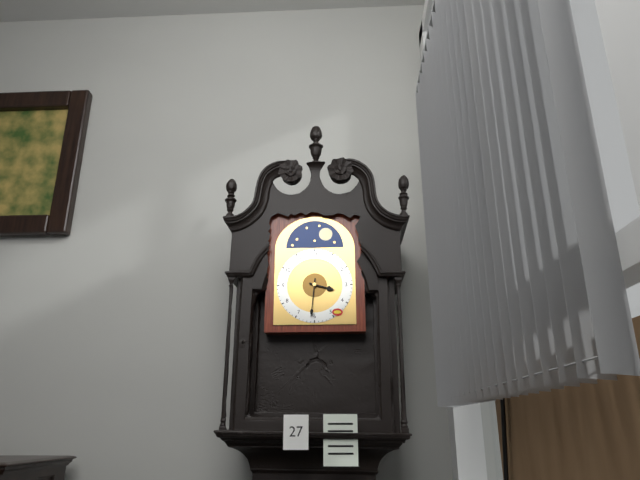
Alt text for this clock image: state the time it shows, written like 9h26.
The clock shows 3h31
